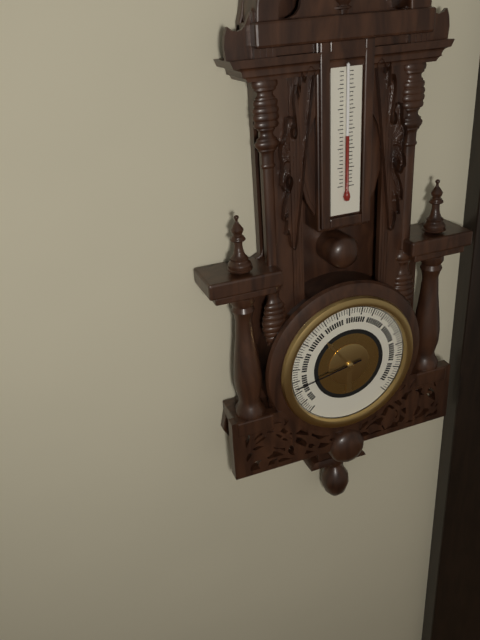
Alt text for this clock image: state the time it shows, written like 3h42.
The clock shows 10h43
